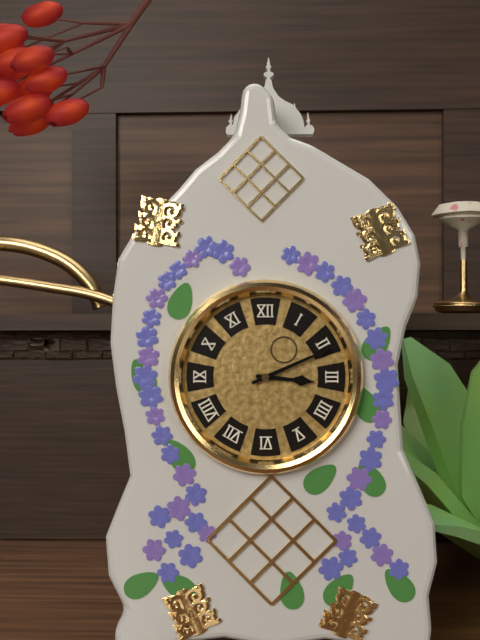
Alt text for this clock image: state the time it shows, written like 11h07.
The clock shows 3h11
